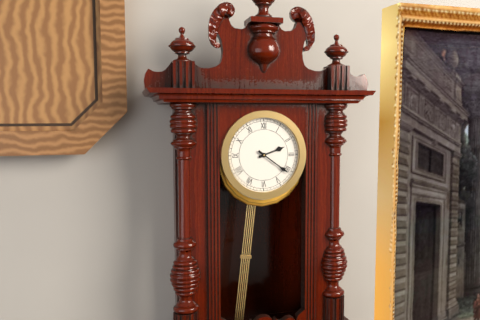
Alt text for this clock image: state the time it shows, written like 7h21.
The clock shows 2h21
